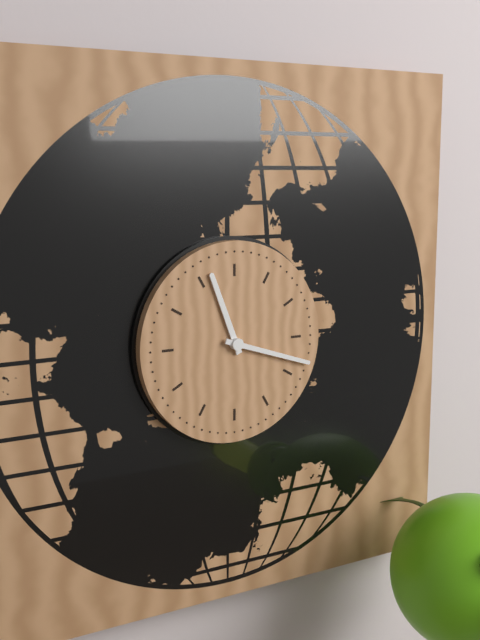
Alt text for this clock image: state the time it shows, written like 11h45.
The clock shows 11h18
